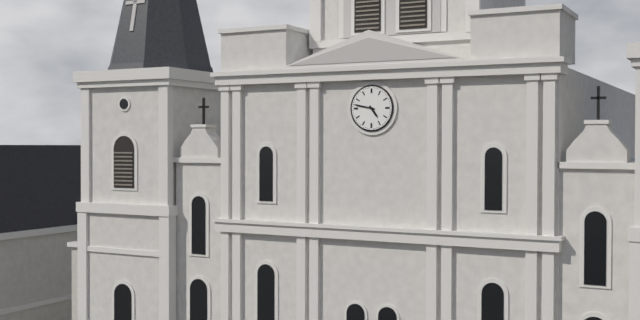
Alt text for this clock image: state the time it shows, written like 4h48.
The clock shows 4h47
